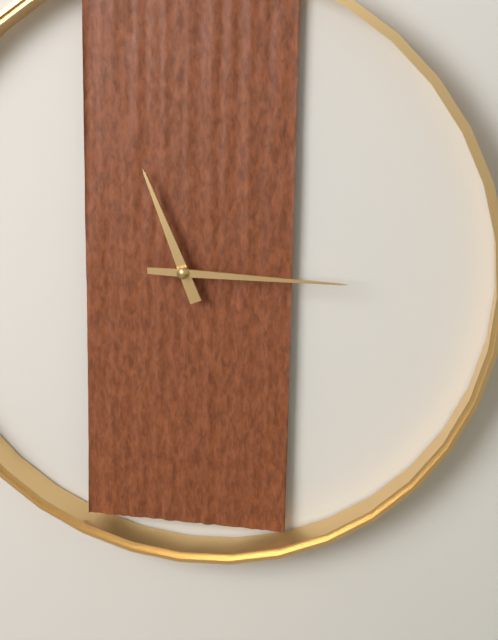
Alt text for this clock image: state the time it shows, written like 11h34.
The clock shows 11h15
